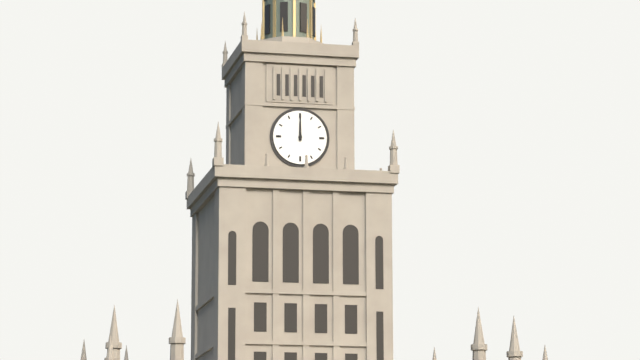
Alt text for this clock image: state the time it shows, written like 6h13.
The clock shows 12h00
